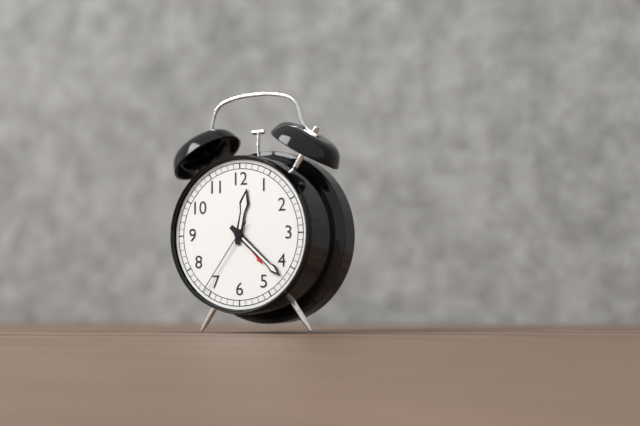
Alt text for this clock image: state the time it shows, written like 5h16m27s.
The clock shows 12h22m36s
